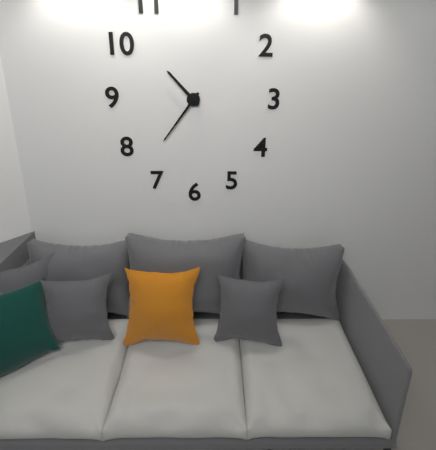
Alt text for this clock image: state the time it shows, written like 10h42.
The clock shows 10h36
